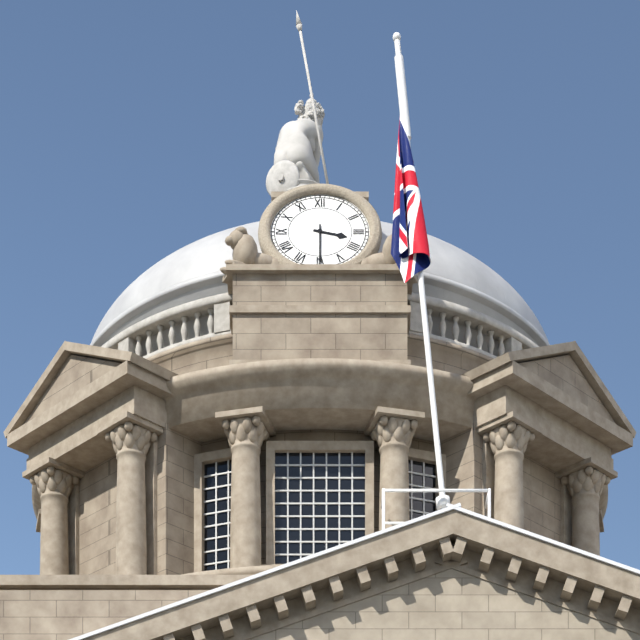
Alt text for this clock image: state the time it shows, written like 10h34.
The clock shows 3h30
